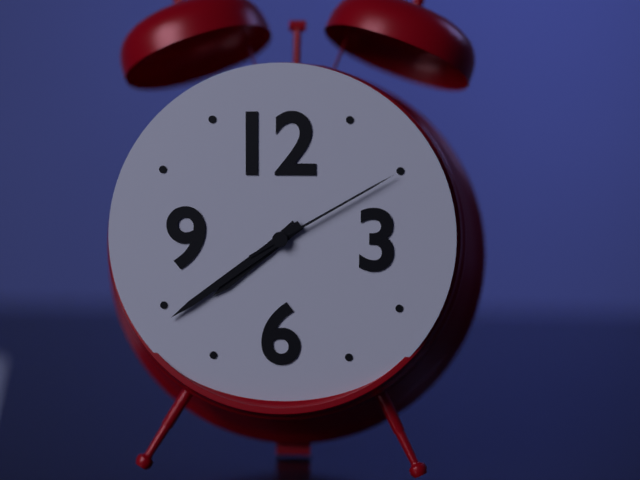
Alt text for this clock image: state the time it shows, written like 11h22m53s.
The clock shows 7h39m10s
